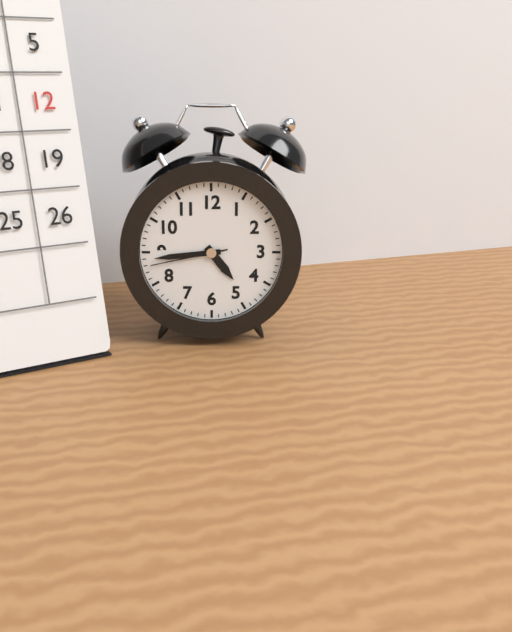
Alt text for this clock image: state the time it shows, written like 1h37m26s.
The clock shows 4h44m43s
